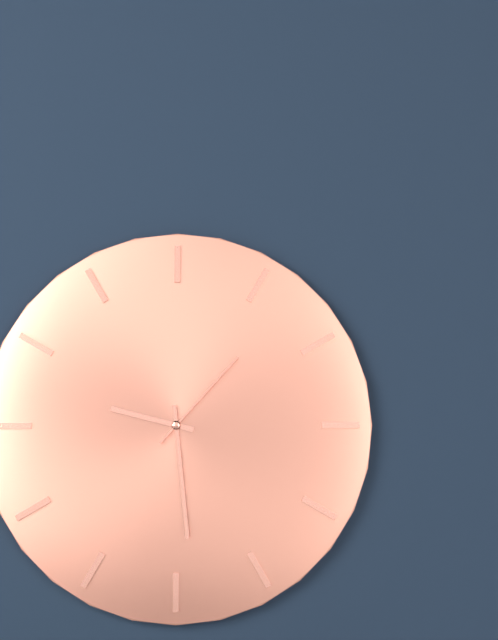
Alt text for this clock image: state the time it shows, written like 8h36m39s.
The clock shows 9h29m07s
